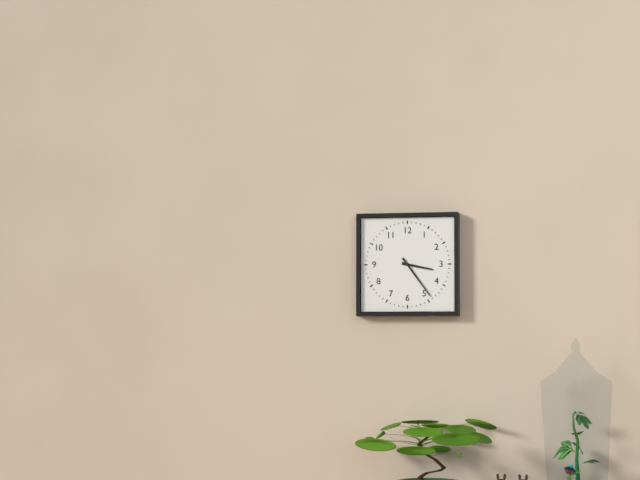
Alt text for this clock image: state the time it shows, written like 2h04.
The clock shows 3h24
